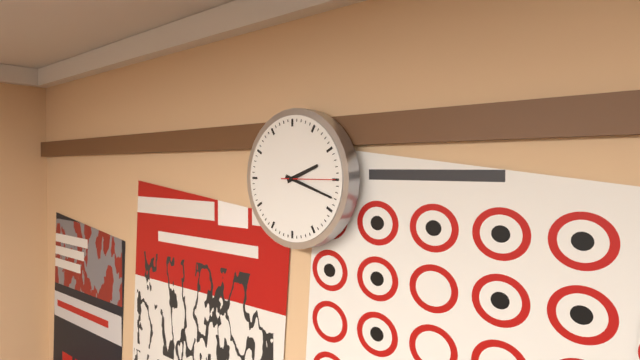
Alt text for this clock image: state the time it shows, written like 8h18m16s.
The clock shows 2h18m15s
